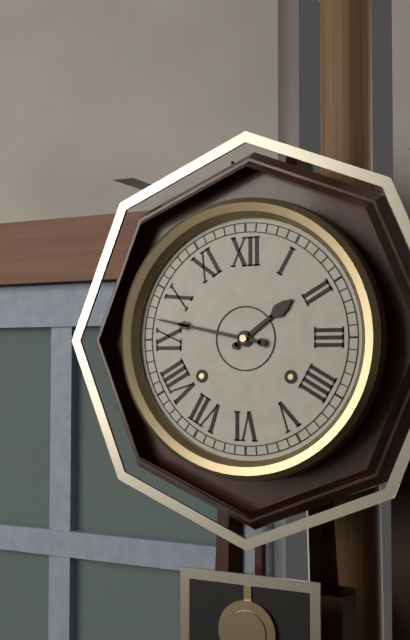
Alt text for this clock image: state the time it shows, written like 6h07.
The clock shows 1h47
